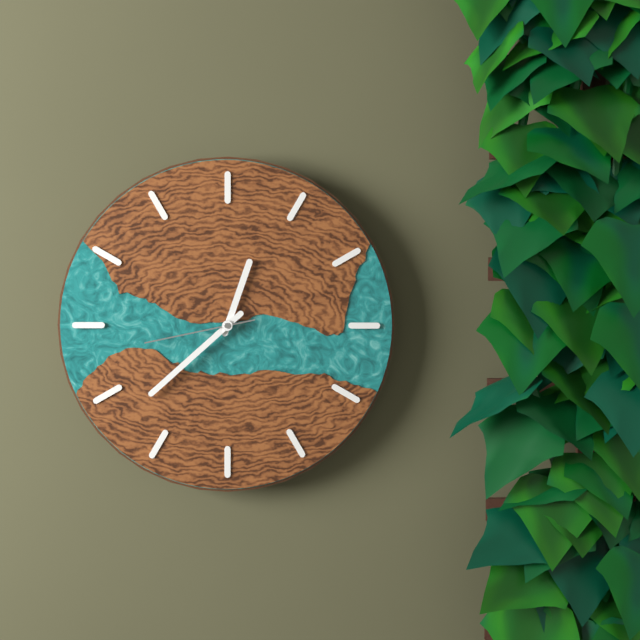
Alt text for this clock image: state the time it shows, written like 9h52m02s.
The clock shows 12h38m43s
